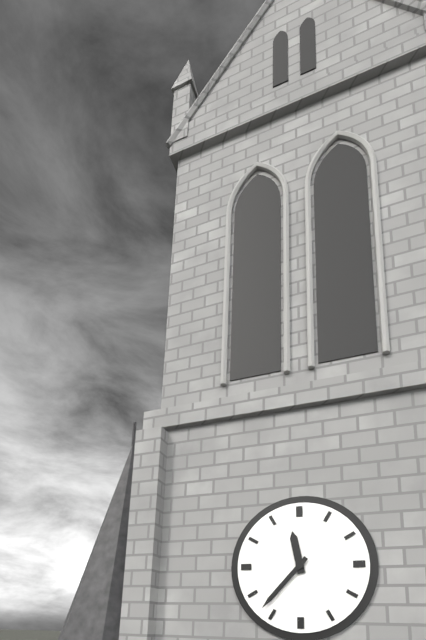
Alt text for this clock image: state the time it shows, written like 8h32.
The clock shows 11h37
